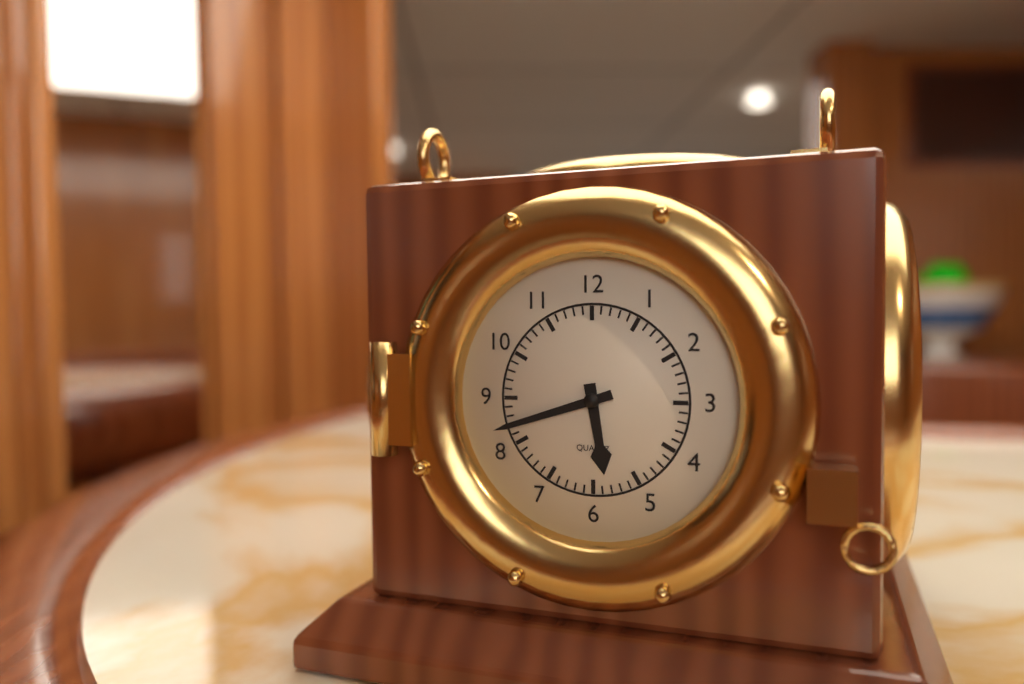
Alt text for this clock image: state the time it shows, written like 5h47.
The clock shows 5h42
